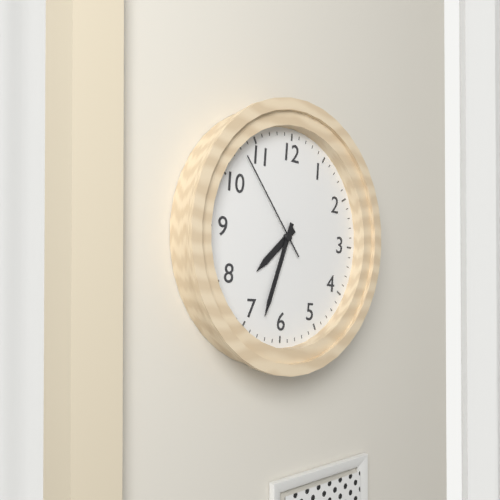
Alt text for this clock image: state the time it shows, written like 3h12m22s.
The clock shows 7h33m53s
